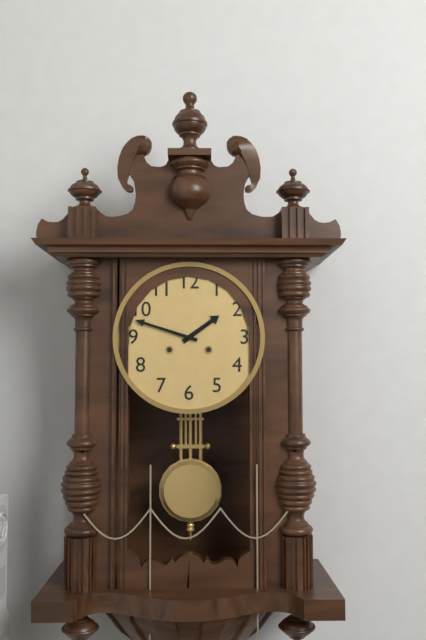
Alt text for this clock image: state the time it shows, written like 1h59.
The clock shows 1h48
